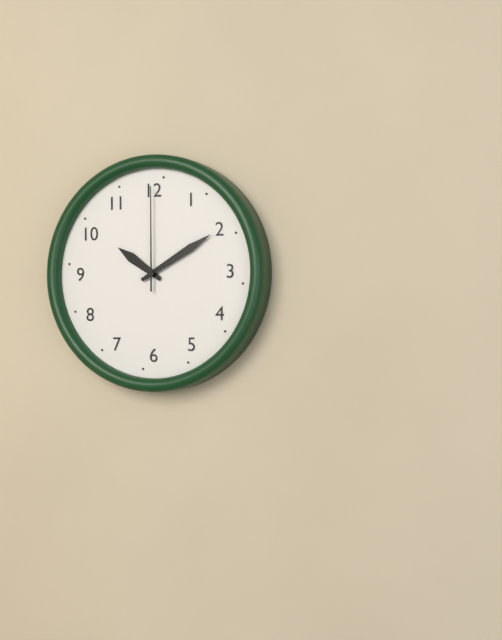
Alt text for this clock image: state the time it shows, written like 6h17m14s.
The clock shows 10h10m00s
